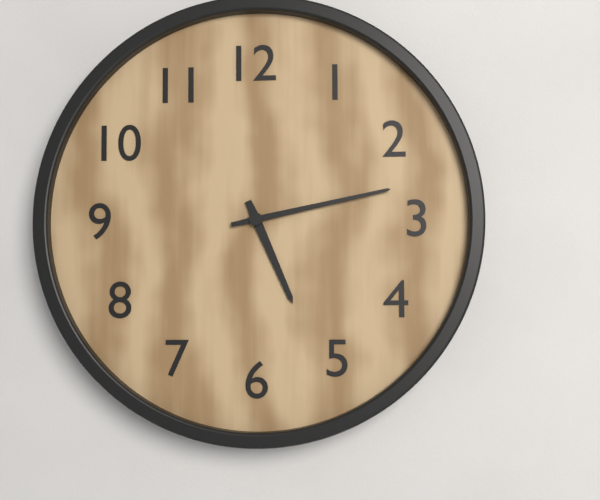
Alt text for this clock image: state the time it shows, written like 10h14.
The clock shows 5h13
